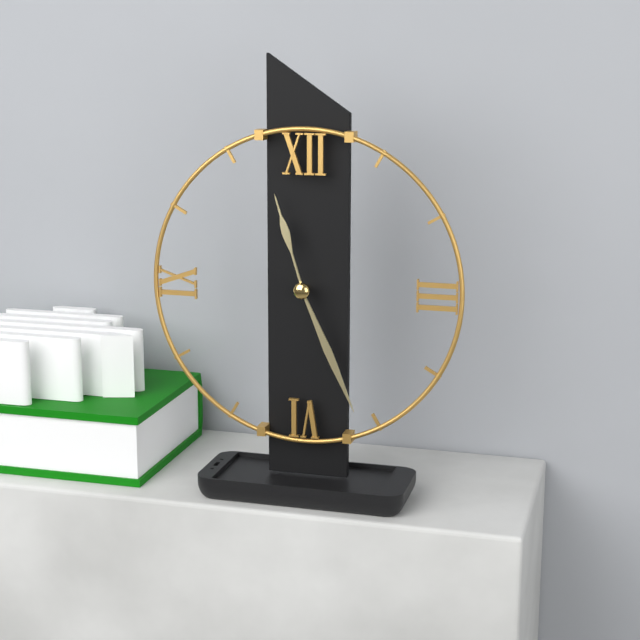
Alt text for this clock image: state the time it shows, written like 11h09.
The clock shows 11h26
